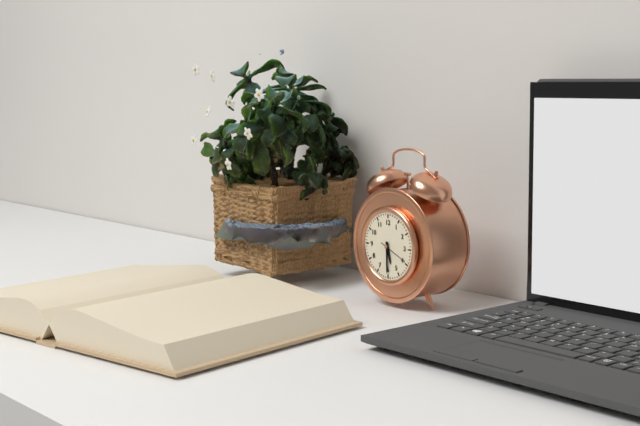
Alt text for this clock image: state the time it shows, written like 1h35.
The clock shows 5h30
